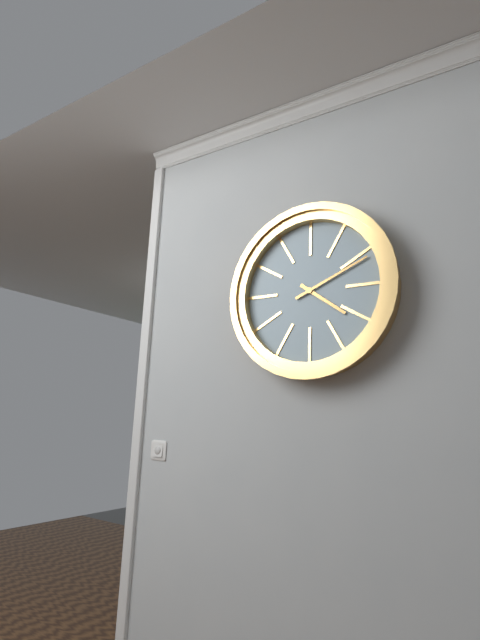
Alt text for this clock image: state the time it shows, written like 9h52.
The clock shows 4h11
